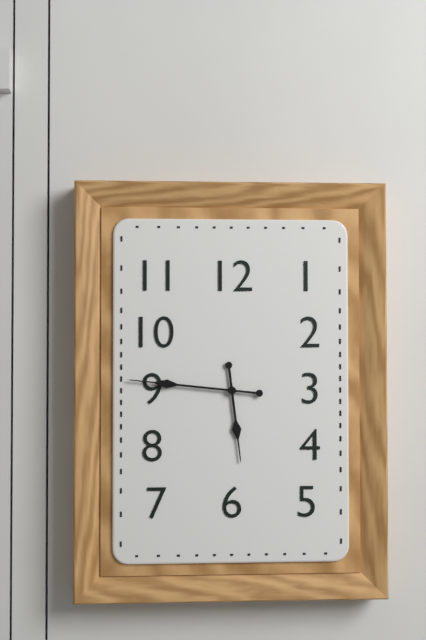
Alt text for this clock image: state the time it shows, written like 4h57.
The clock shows 5h46
